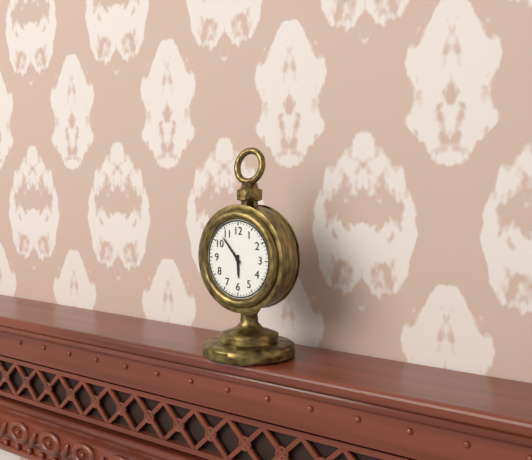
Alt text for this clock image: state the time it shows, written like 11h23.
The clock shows 5h53
